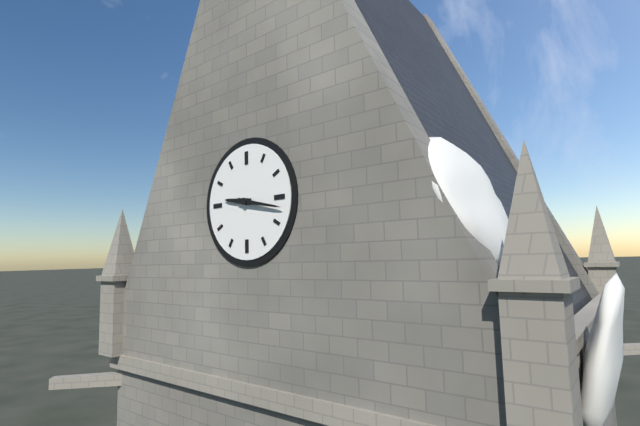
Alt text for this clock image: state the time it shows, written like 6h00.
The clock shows 9h17
